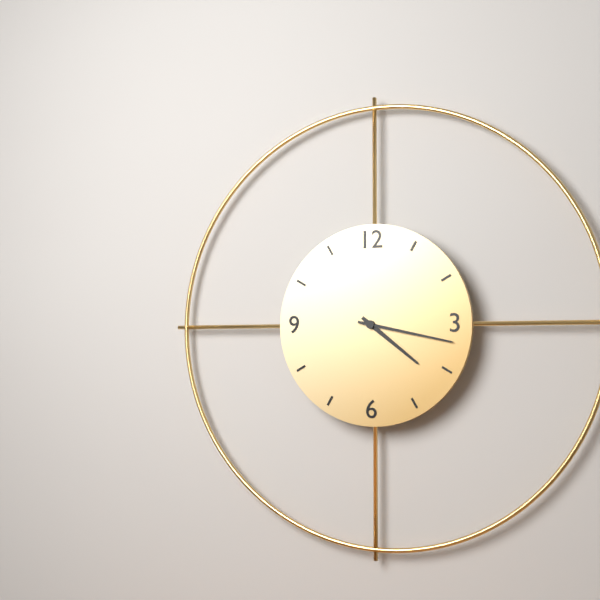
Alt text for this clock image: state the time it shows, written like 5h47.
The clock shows 4h17
